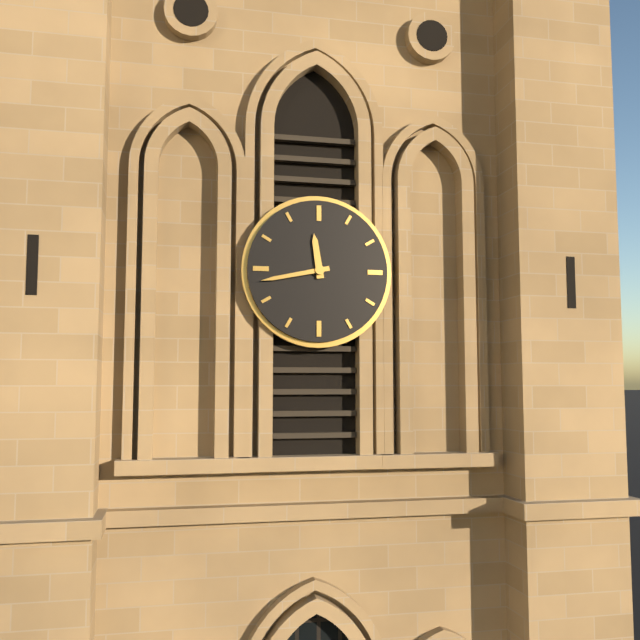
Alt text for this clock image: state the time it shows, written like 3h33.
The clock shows 11h43
